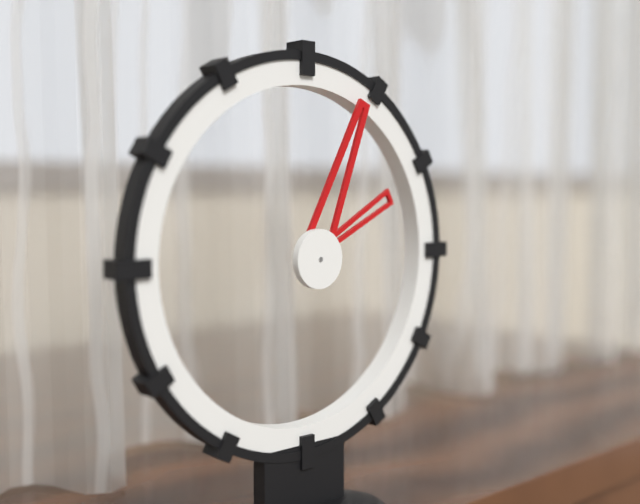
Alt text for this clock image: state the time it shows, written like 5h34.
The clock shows 2h04
